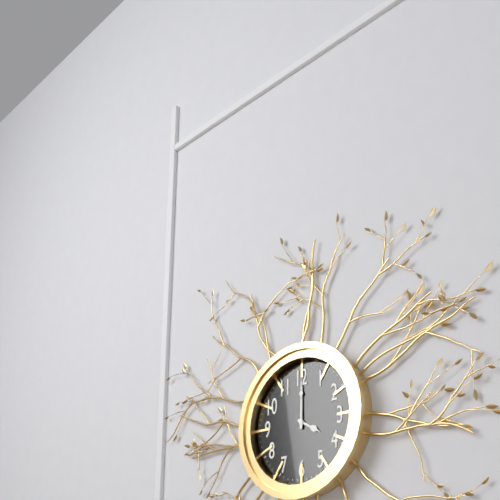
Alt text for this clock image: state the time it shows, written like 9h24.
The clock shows 4h00
